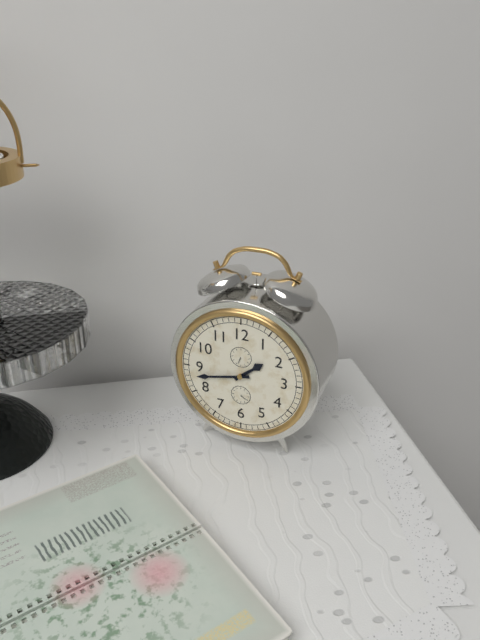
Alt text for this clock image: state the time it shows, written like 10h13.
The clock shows 1h43
